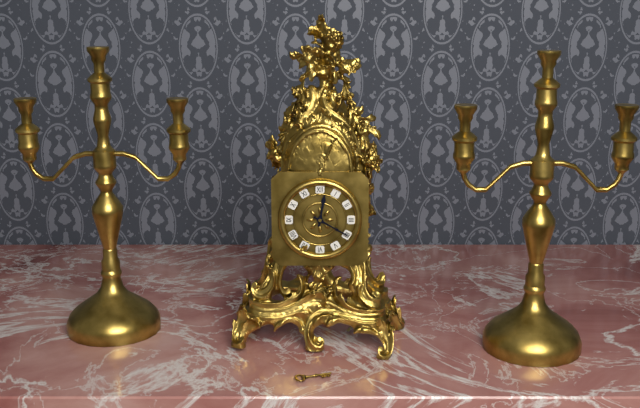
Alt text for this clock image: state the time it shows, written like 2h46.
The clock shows 12h20
